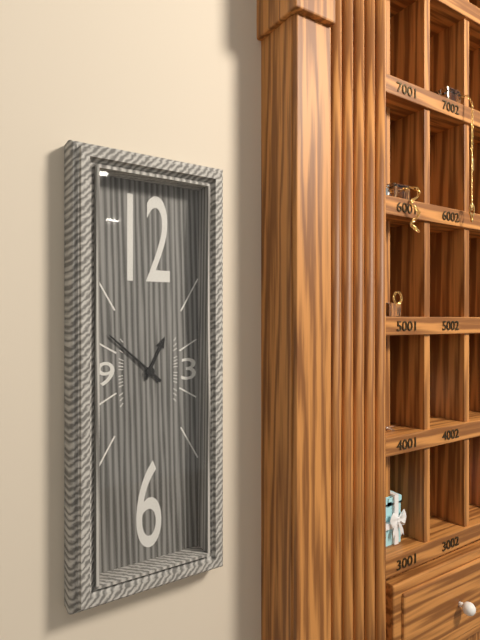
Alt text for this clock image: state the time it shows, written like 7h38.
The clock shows 12h52
